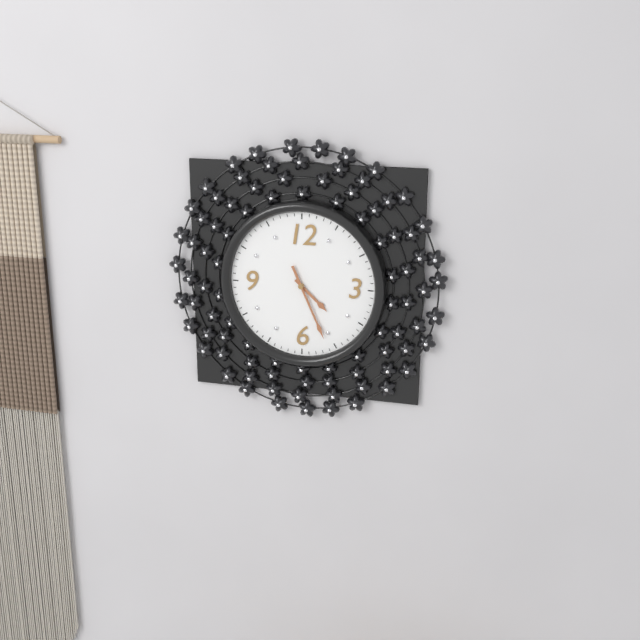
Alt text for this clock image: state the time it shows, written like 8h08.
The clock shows 4h26
